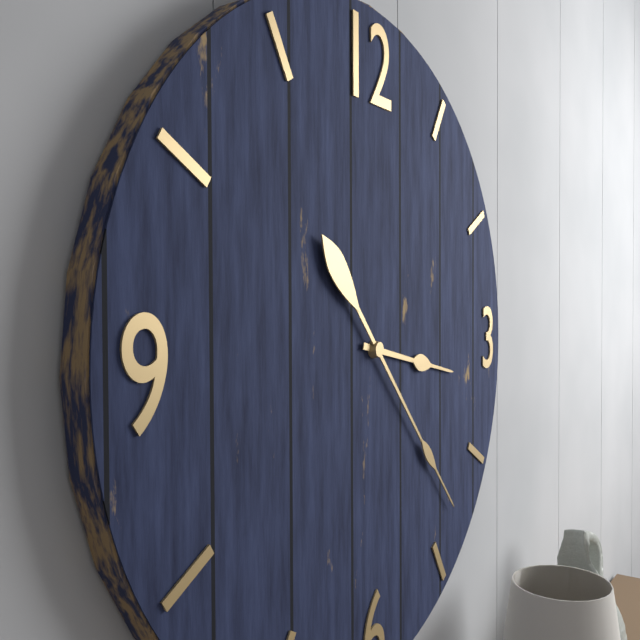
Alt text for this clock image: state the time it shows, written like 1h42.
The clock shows 3h23
